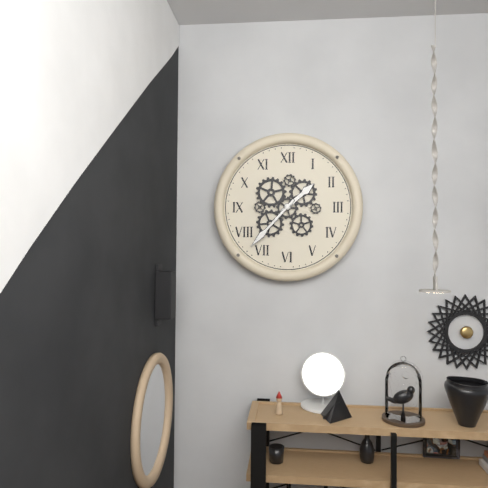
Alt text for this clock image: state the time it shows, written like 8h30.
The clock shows 1h37
